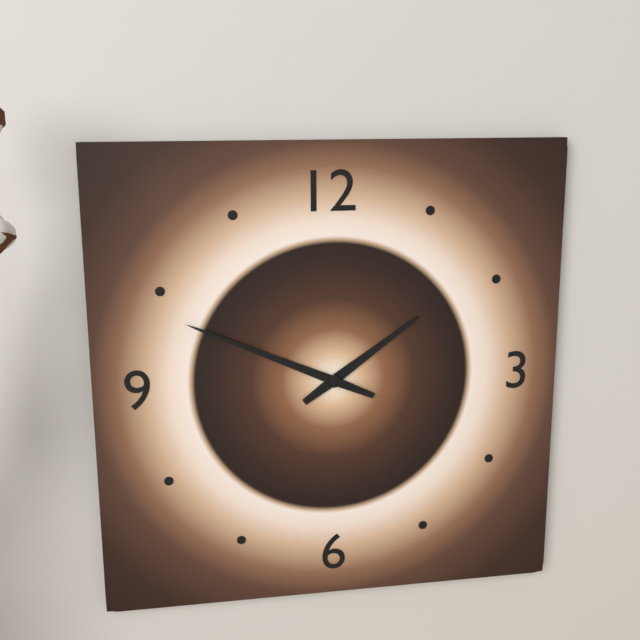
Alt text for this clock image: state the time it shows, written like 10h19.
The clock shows 1h49
